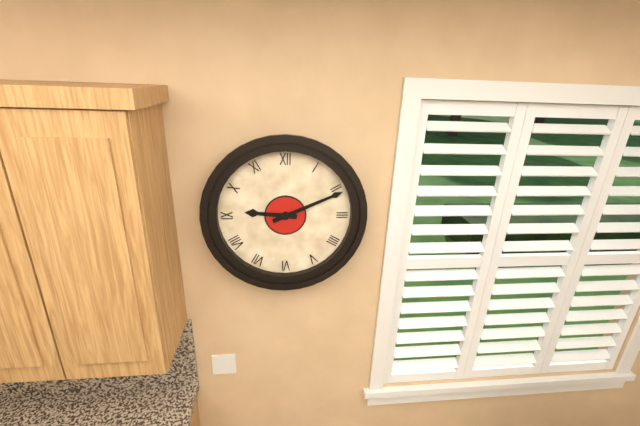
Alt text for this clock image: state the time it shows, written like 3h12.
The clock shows 9h11
